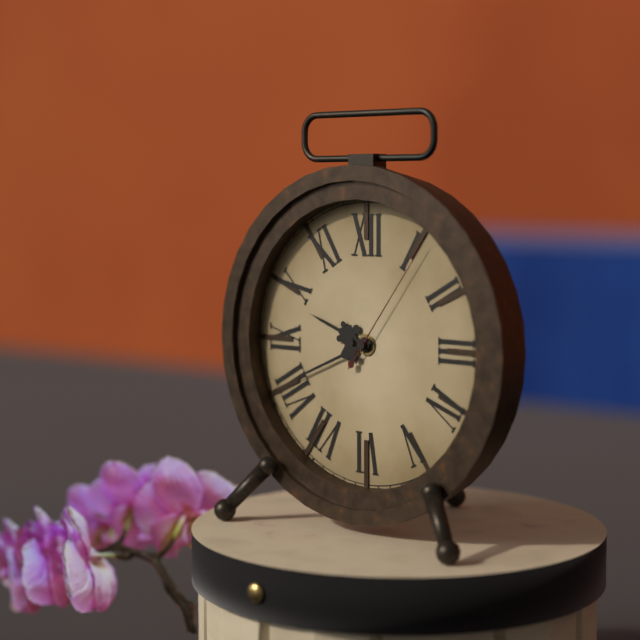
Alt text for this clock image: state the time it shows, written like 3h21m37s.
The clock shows 9h41m06s
